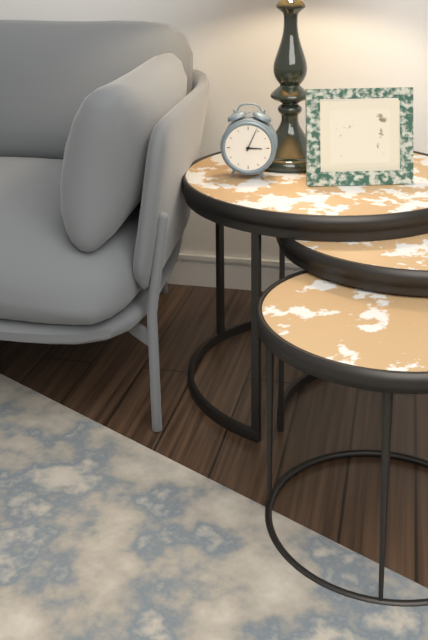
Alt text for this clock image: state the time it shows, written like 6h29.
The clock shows 3h04
